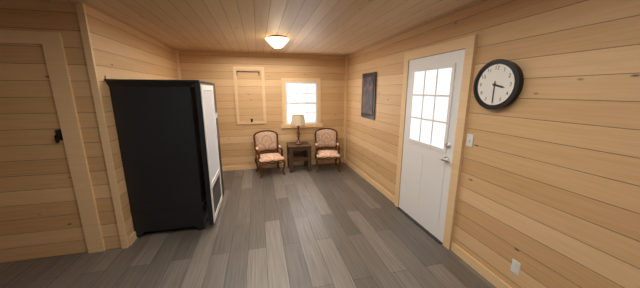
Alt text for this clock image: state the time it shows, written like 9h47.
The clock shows 3h30
